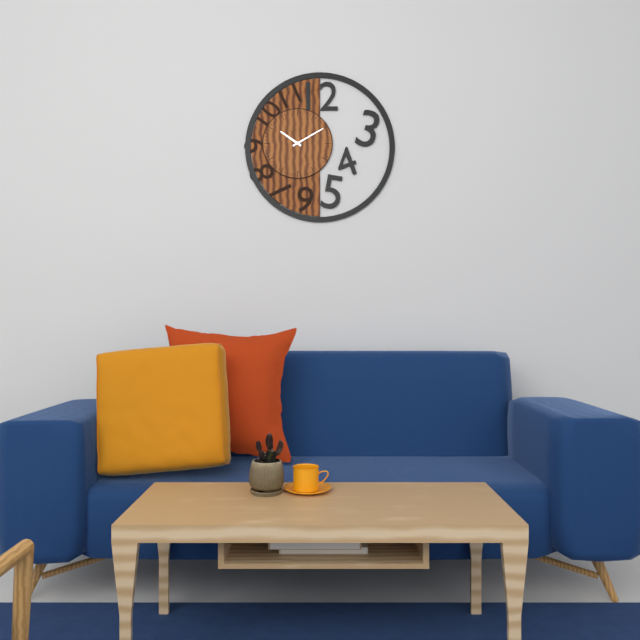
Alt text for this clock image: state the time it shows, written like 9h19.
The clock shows 10h10
